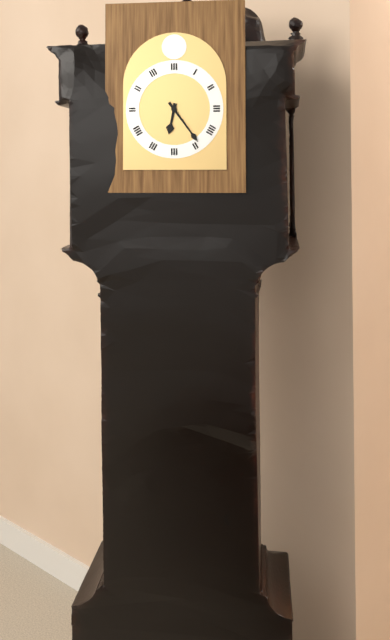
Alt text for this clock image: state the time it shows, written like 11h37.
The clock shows 6h24
